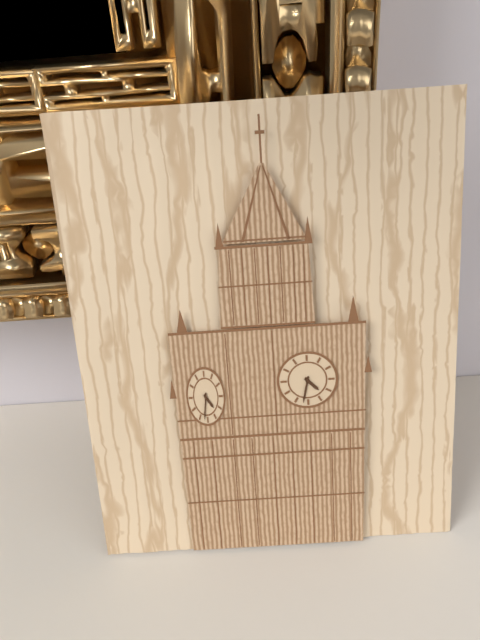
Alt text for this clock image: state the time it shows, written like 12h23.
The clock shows 4h32
